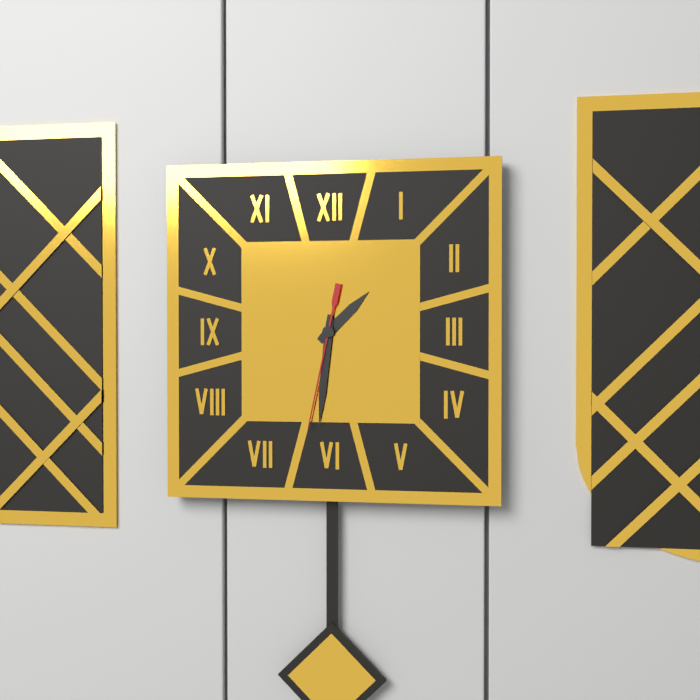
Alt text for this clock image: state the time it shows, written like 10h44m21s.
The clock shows 1h31m32s
